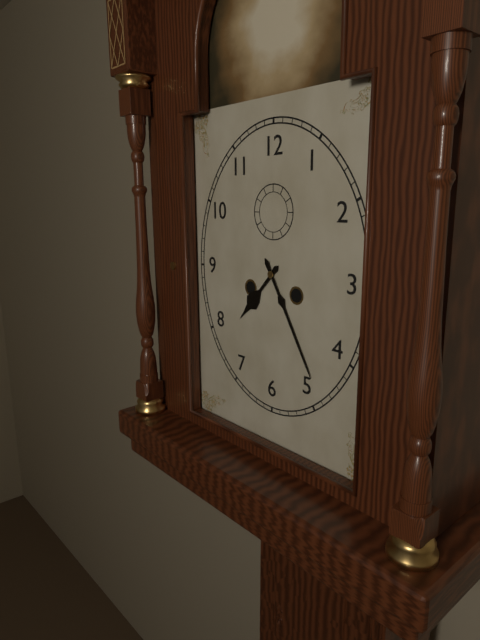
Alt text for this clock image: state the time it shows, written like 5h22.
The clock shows 7h25
